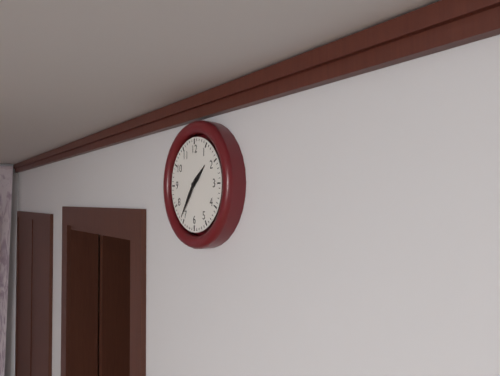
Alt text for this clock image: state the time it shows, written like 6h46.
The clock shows 1h36
